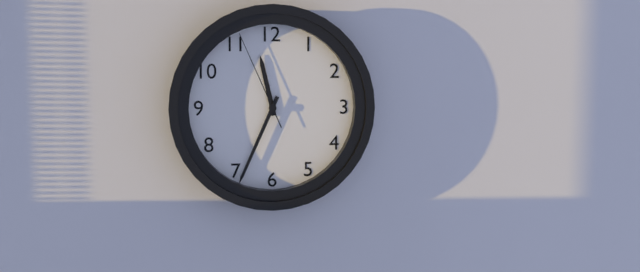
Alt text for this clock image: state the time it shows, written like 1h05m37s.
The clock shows 11h34m56s
